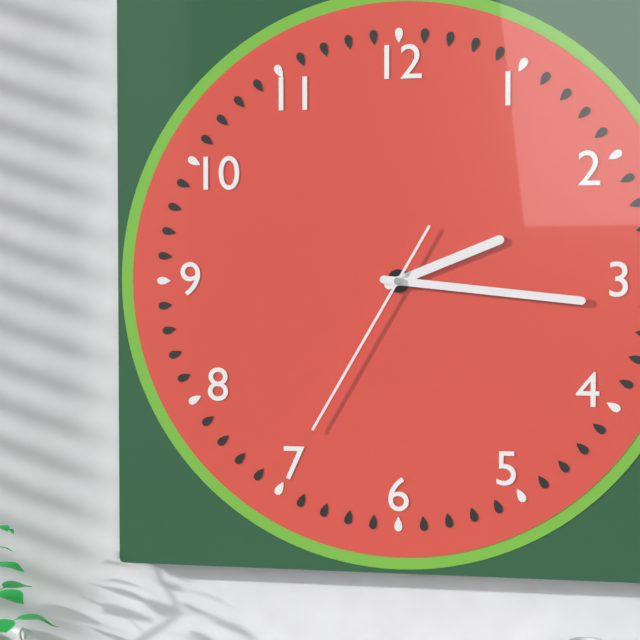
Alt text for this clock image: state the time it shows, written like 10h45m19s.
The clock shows 2h16m35s
